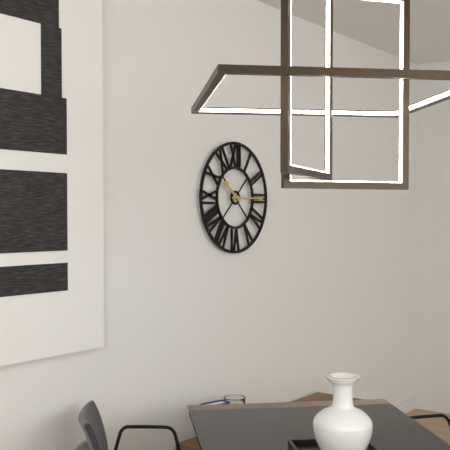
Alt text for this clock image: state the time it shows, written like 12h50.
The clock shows 10h15
